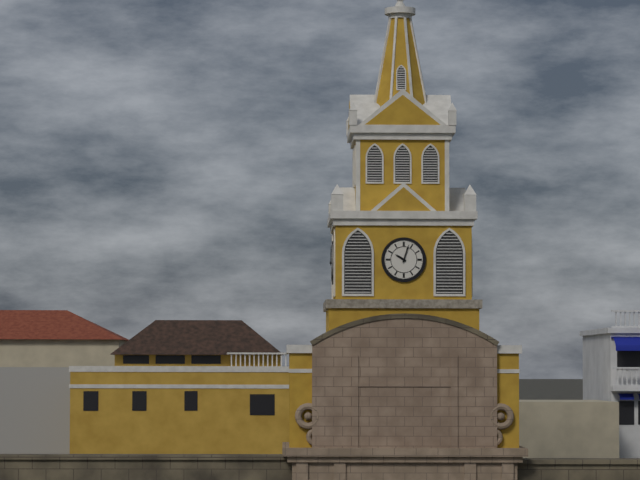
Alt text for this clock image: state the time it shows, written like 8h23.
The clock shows 10h03
